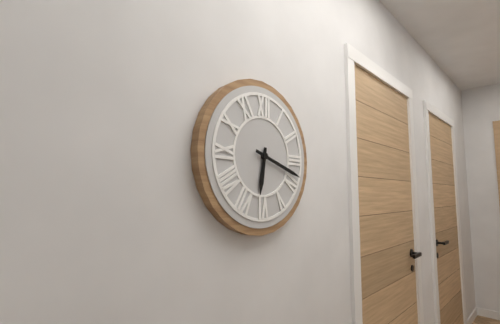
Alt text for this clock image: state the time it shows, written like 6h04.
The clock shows 6h18
